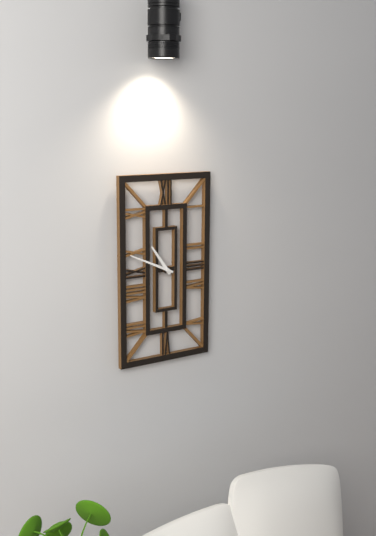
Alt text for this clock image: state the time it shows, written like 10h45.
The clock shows 10h49
